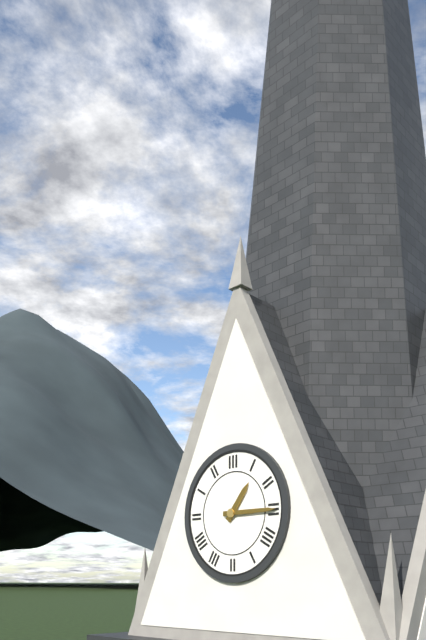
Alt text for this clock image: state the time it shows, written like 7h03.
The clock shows 1h15
